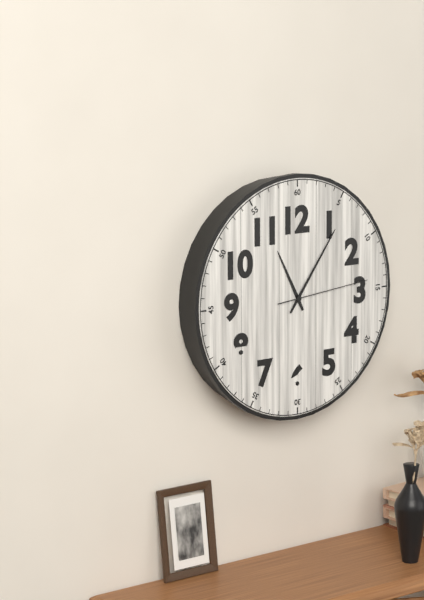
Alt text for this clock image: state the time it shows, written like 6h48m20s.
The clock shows 11h06m14s
